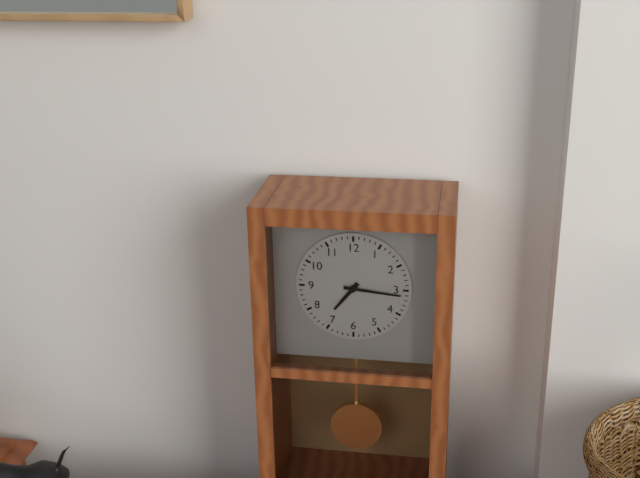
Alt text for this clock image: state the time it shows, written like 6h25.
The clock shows 7h16
